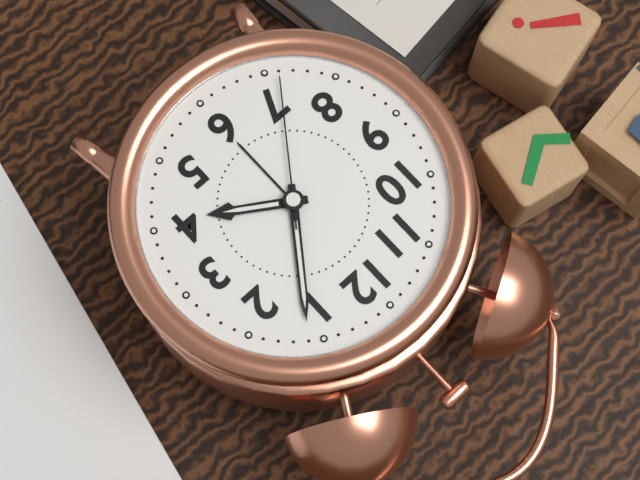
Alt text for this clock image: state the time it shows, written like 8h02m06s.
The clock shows 4h06m36s
